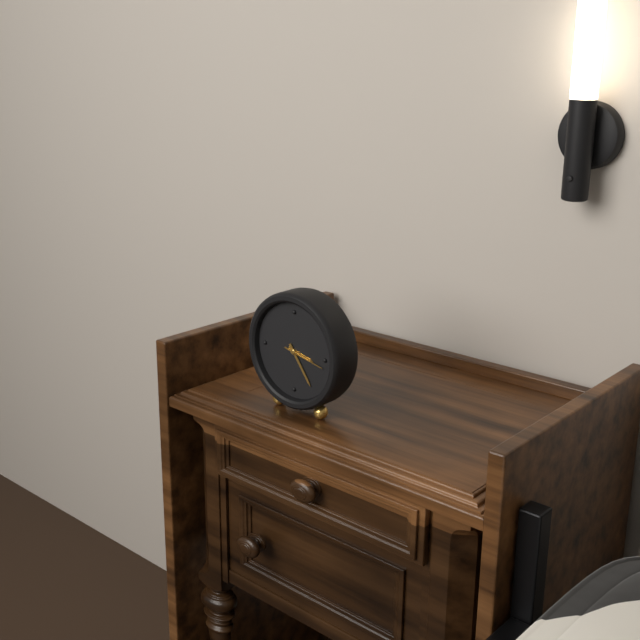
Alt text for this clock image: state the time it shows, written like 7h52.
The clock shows 3h24
